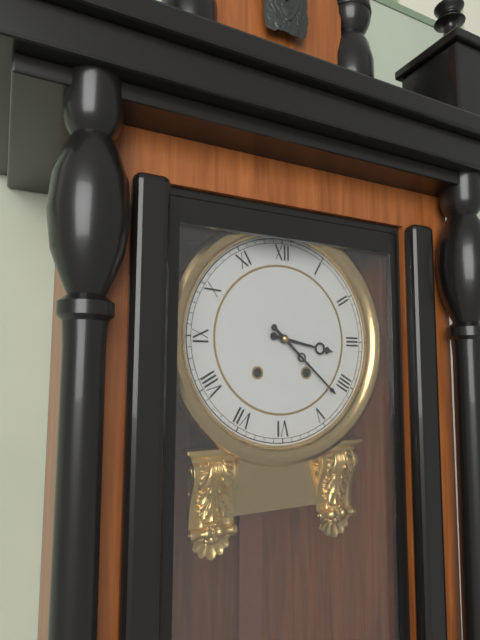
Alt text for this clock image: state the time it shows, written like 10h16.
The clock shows 3h22
